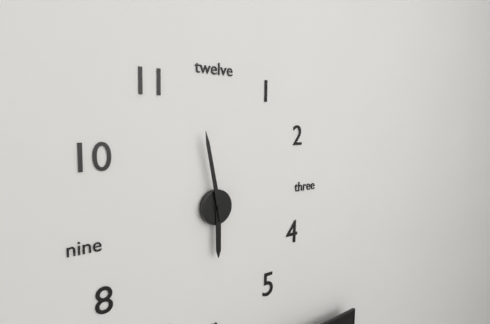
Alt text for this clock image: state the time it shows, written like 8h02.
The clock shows 5h58
